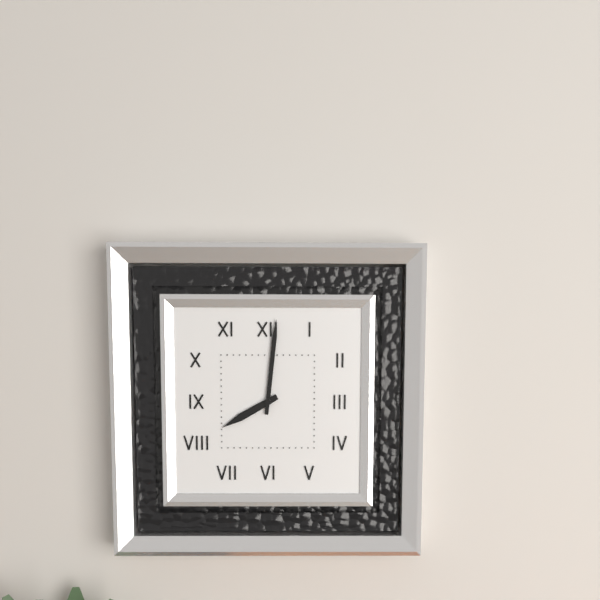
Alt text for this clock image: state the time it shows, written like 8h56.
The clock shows 8h01
